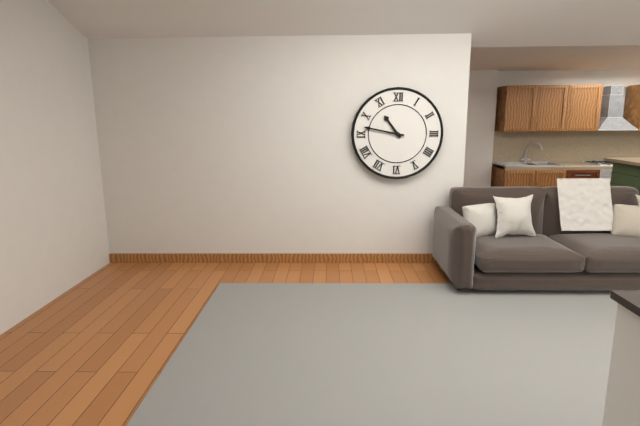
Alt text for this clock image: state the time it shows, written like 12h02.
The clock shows 10h47
